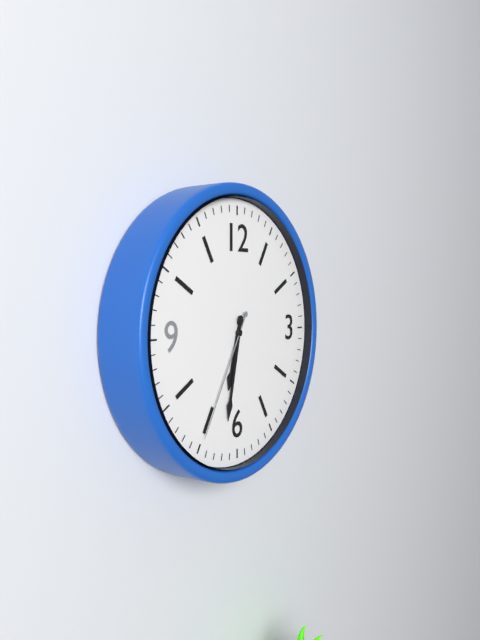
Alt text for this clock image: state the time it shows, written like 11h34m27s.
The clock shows 6h32m35s
